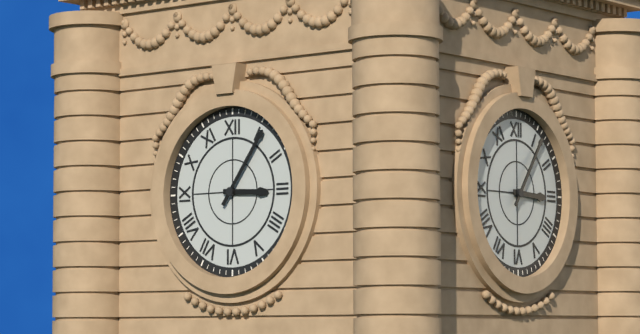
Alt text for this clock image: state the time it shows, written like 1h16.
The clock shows 3h06
